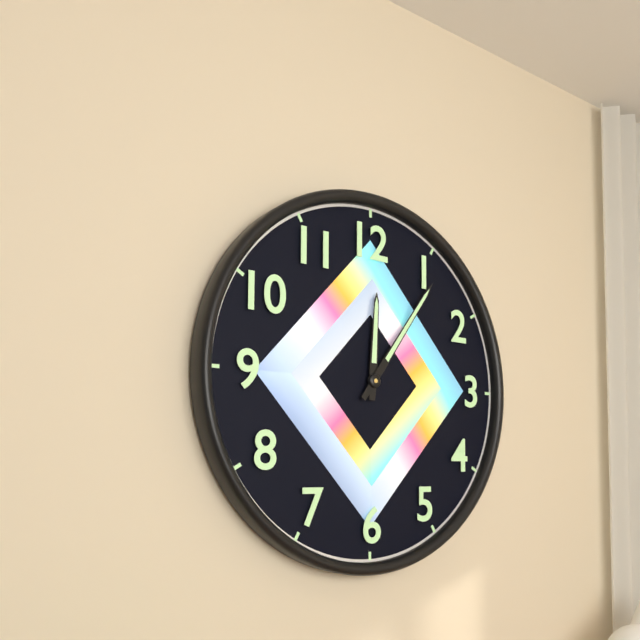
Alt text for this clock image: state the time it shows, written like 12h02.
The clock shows 12h06
